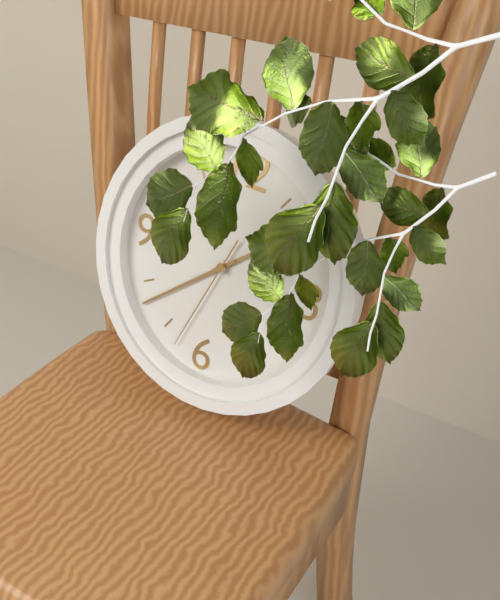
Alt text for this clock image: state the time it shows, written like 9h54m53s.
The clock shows 1h38m33s
